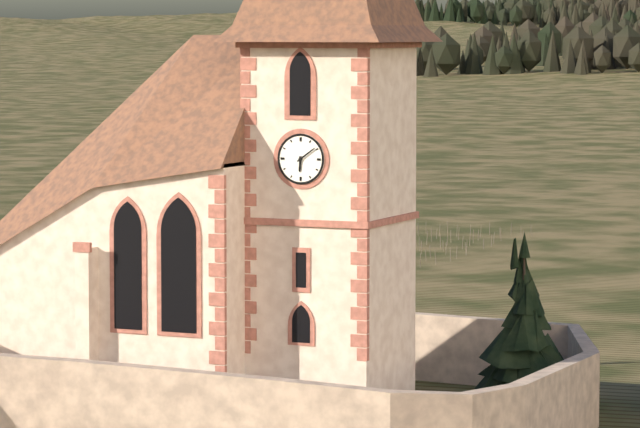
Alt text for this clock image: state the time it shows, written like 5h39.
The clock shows 6h09
